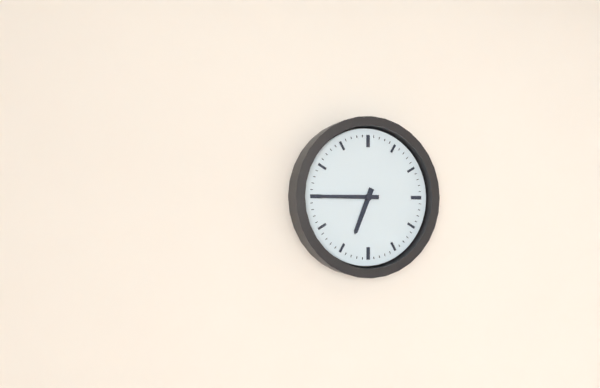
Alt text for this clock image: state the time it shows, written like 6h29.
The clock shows 6h45
